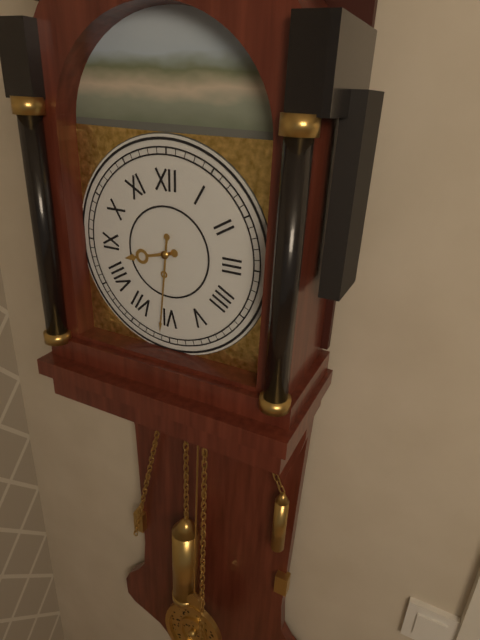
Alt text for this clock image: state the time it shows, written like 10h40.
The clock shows 8h31
